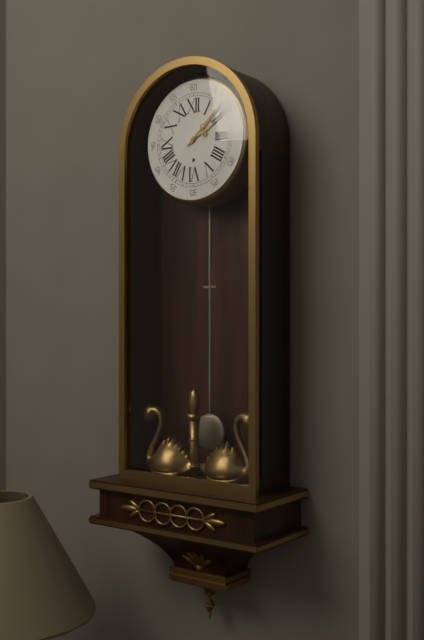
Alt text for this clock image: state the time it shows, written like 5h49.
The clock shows 2h08
